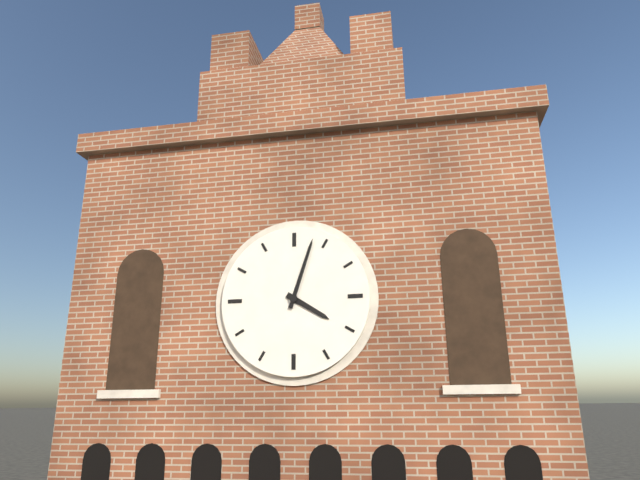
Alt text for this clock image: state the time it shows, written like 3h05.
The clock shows 4h03
